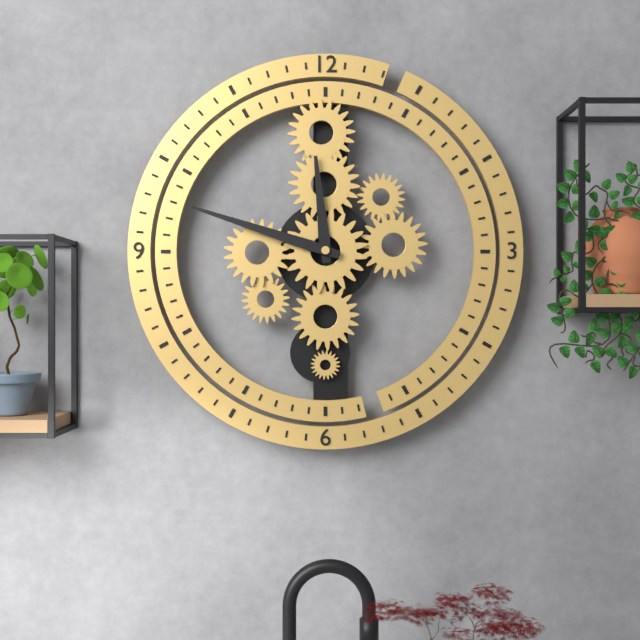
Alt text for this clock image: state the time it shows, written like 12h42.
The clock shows 11h48
